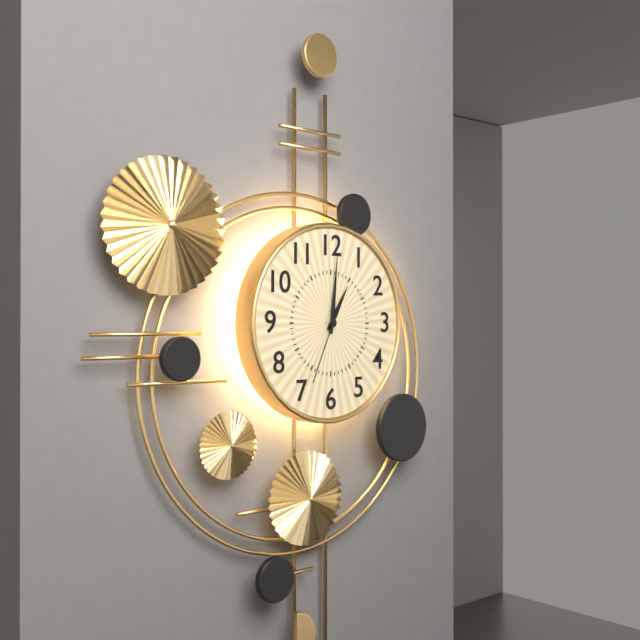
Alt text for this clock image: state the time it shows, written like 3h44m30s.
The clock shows 1h01m34s
